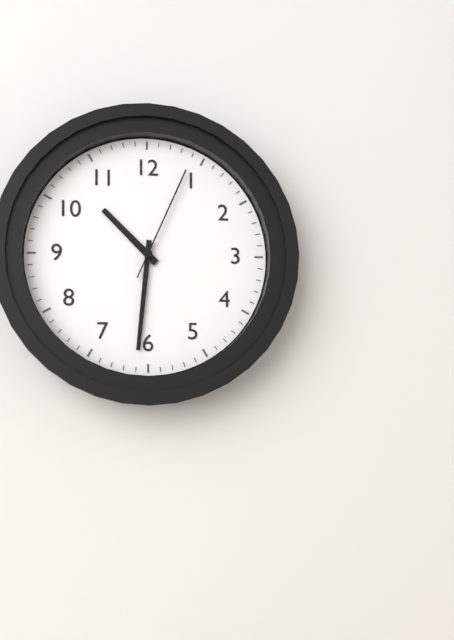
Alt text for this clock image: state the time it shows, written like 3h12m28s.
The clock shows 10h31m04s
